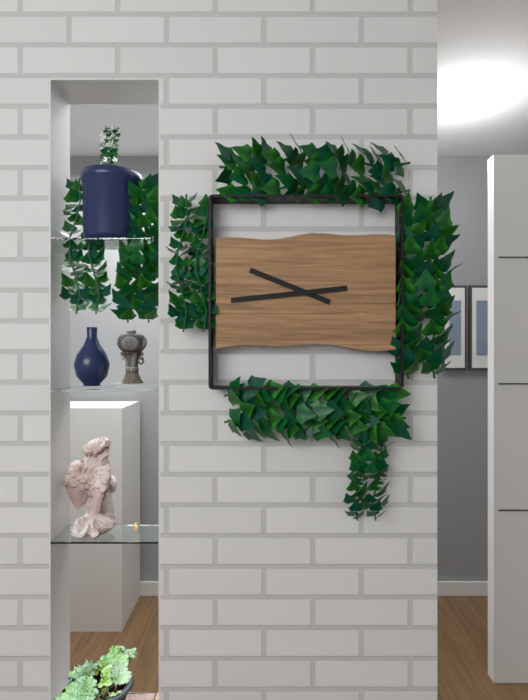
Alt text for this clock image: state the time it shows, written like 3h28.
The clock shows 9h44
